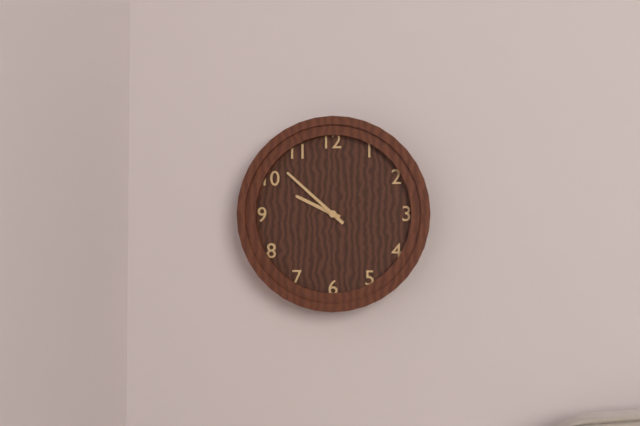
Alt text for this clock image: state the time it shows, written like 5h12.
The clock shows 9h52
